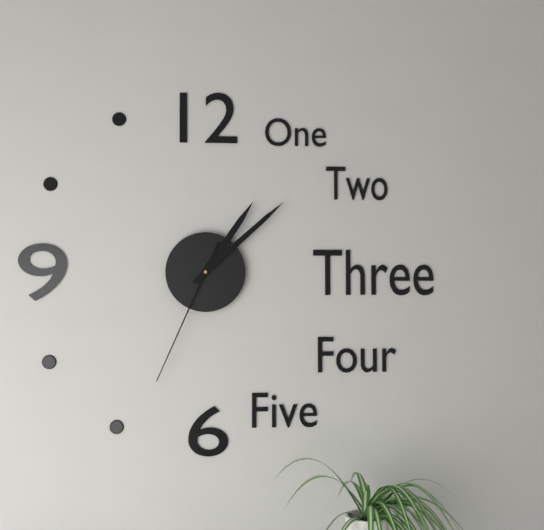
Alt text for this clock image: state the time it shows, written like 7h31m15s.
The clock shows 1h08m34s
